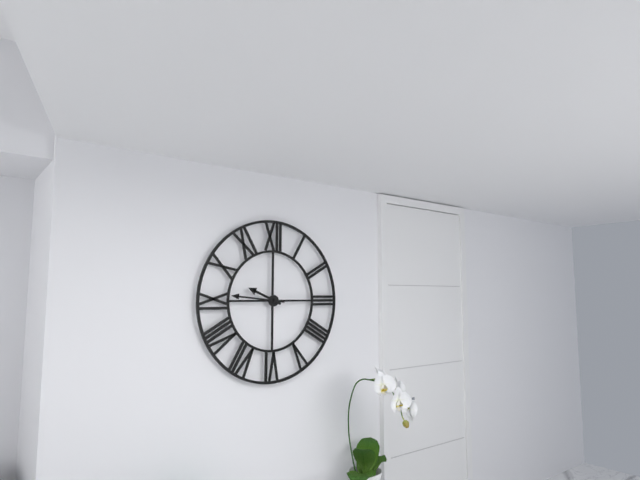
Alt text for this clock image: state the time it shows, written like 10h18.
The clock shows 9h46
